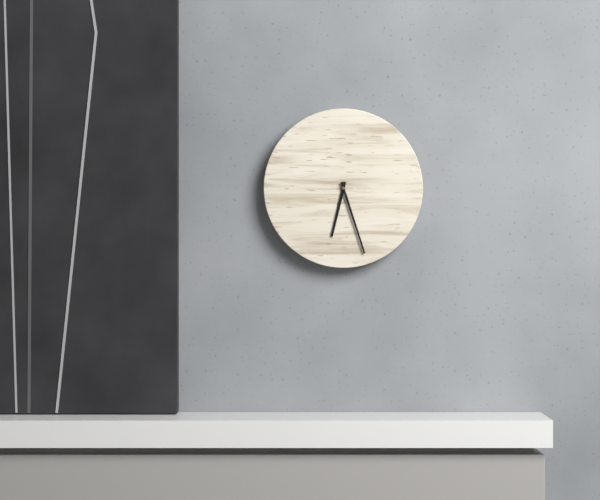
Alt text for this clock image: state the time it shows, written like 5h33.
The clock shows 6h27
